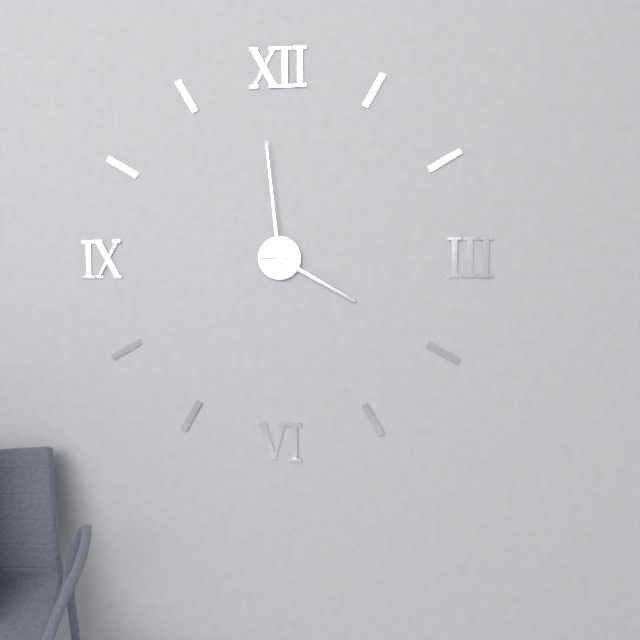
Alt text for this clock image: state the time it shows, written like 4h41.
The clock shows 3h59
